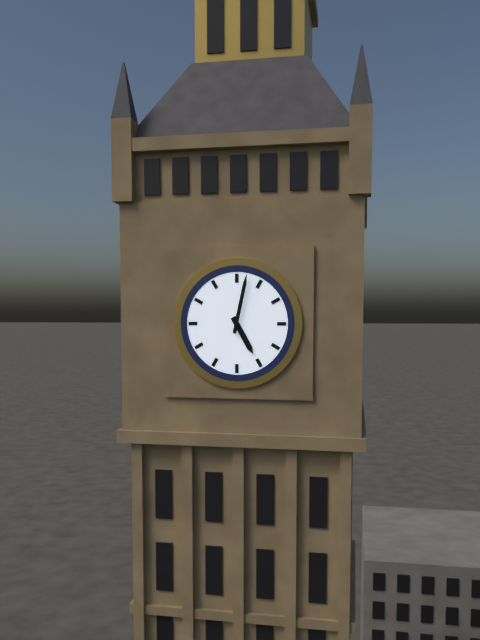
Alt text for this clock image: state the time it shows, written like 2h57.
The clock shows 5h02
